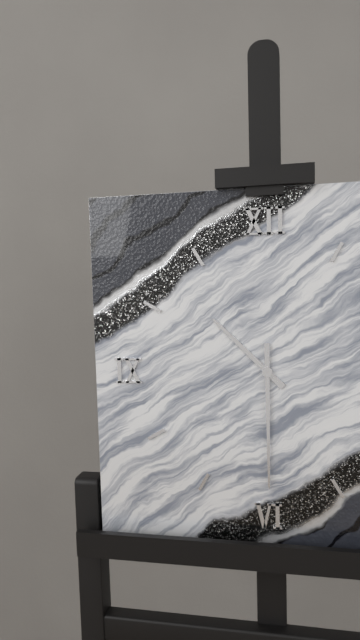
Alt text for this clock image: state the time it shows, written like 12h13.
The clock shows 10h30
